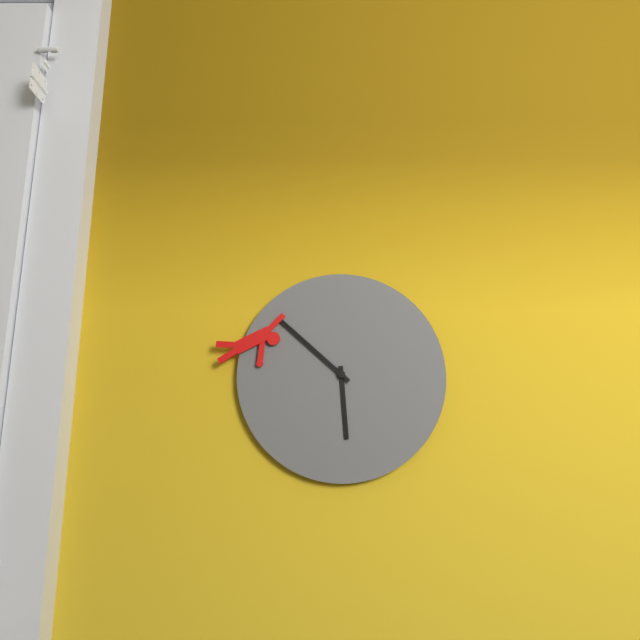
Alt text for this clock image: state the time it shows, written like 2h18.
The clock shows 5h52
